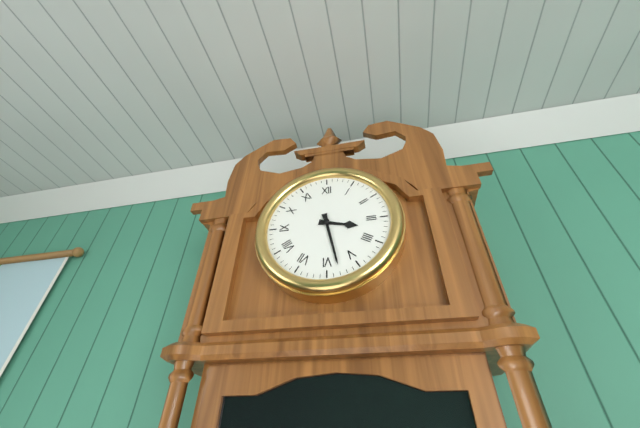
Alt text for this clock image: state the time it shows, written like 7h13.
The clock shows 3h28
